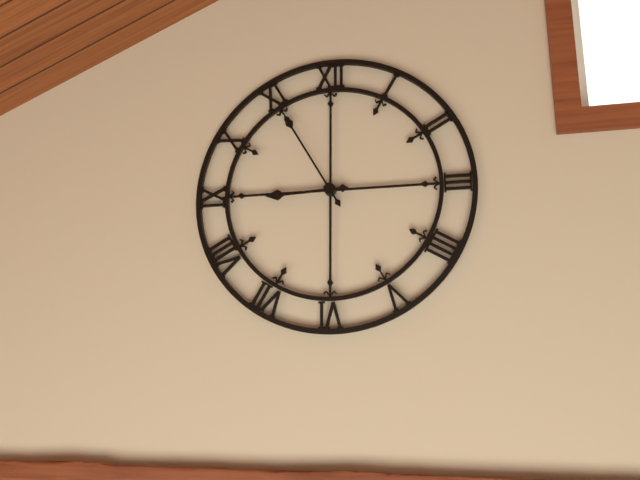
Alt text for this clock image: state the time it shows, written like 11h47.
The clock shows 8h55
